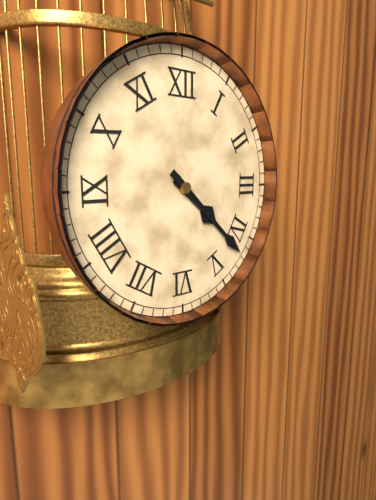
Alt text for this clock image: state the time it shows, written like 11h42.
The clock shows 4h22
